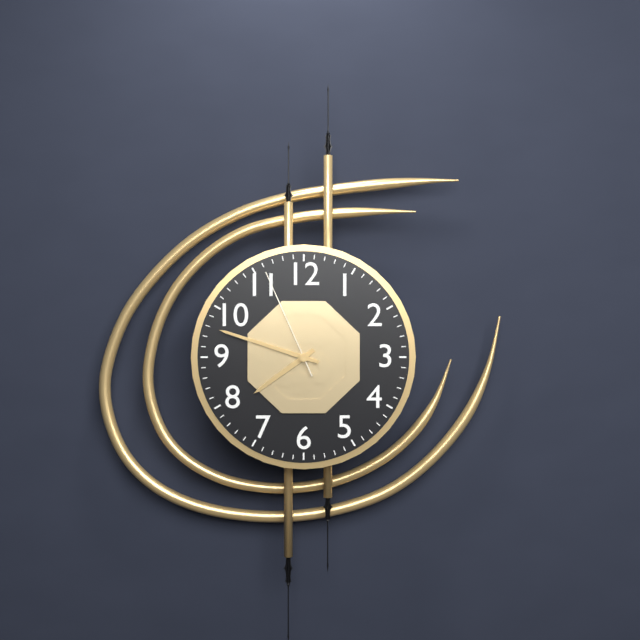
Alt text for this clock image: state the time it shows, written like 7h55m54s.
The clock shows 7h48m56s
